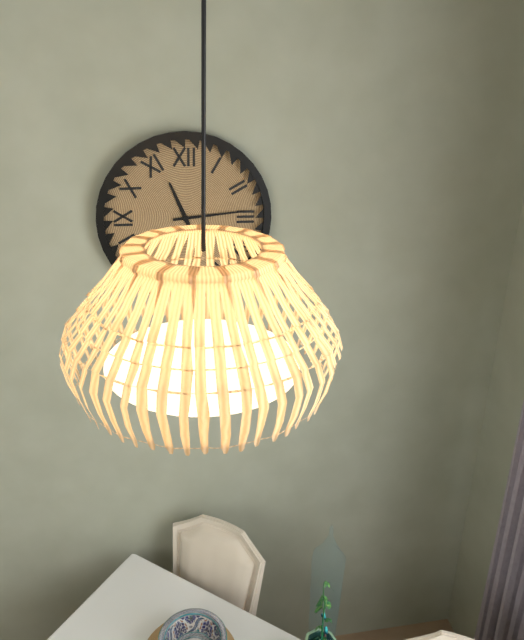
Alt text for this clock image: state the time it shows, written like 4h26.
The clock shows 11h14
